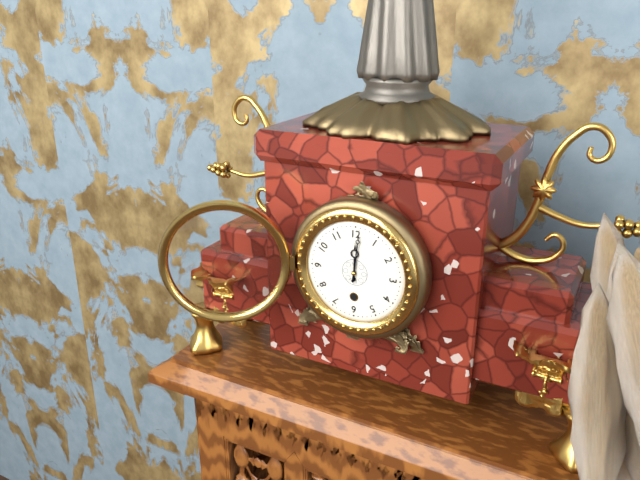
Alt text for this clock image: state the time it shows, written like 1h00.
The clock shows 12h01
